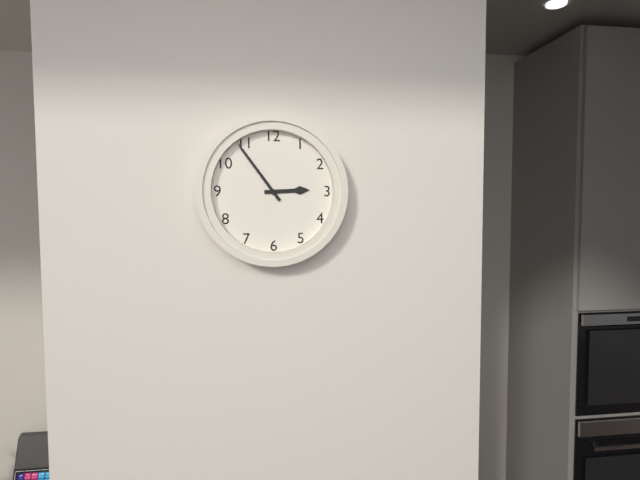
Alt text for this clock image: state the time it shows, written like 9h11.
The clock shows 2h54
